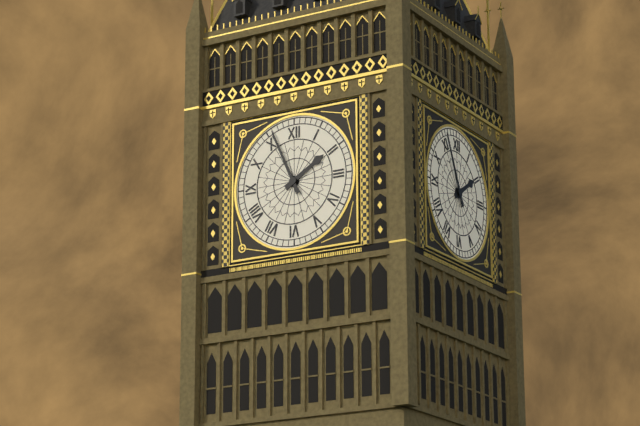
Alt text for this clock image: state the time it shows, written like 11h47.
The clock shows 1h56
